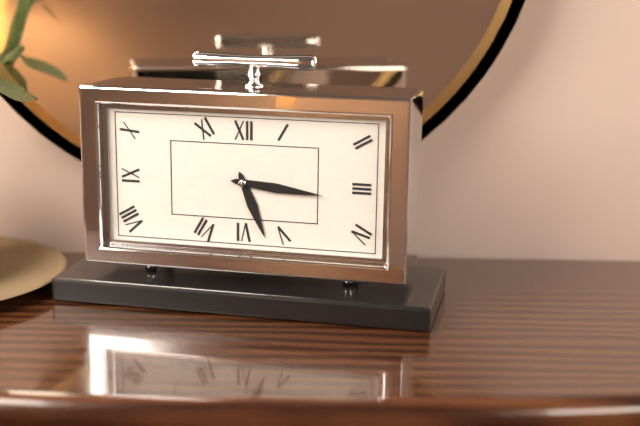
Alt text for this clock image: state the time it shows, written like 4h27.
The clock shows 5h16
